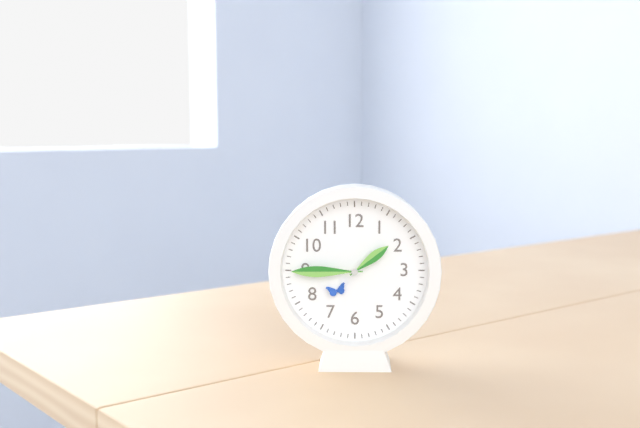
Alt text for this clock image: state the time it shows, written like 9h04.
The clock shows 1h45
